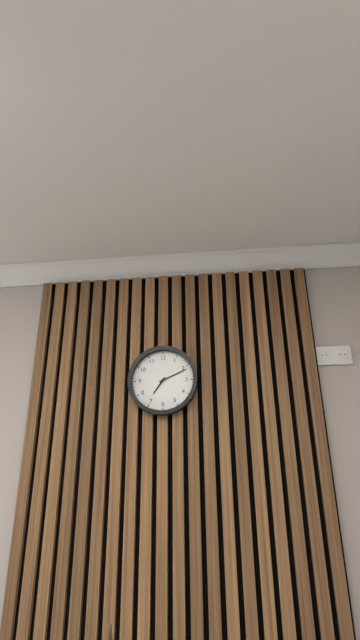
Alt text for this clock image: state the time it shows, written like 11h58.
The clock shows 7h11
